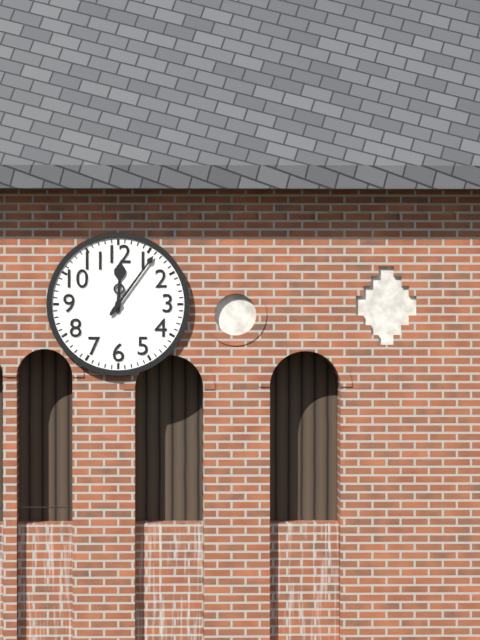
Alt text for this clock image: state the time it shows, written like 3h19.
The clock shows 12h06
